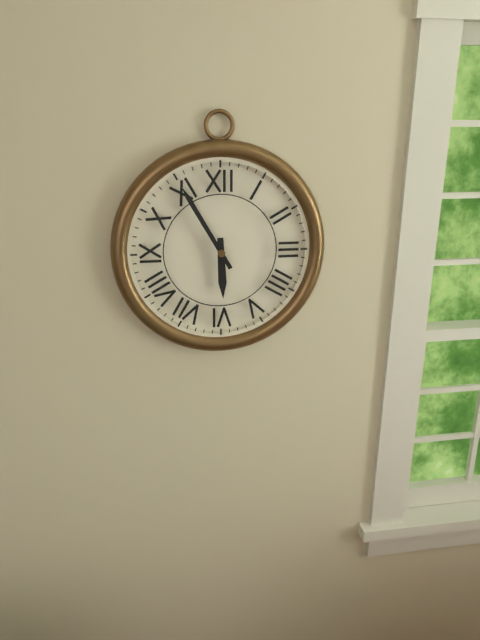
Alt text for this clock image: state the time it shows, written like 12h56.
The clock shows 5h55
